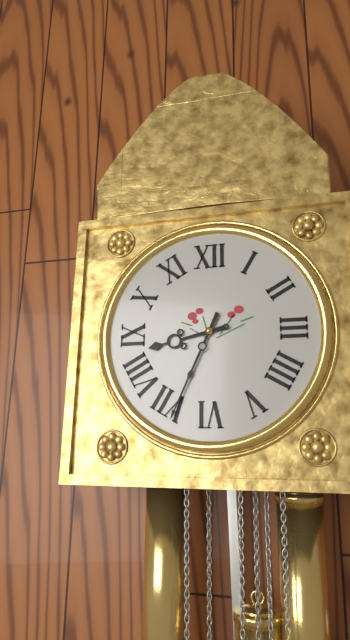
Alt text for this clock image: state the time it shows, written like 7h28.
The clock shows 8h34
